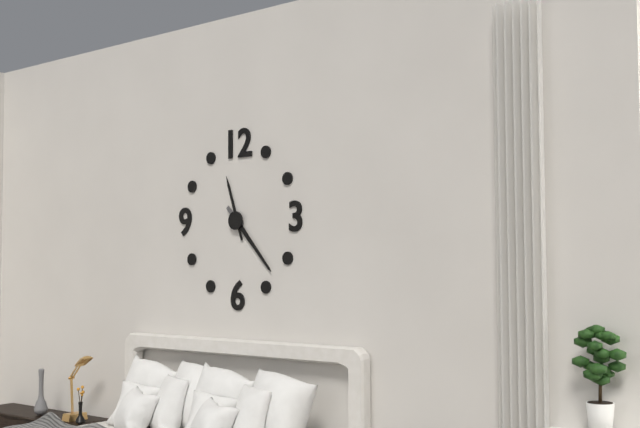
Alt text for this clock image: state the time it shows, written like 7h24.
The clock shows 11h23
